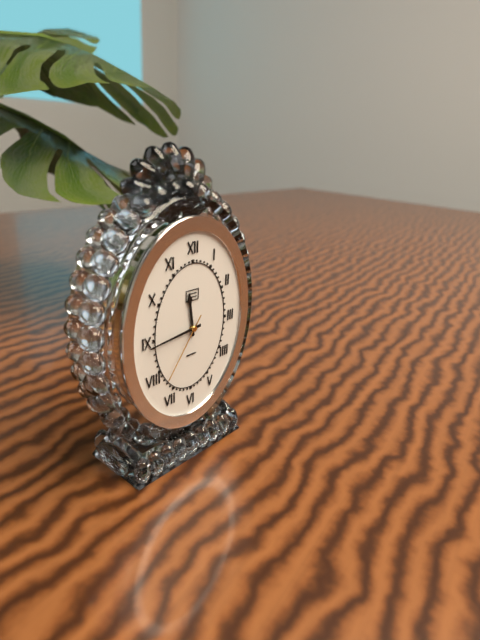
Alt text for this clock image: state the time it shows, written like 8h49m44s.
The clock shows 11h44m36s
